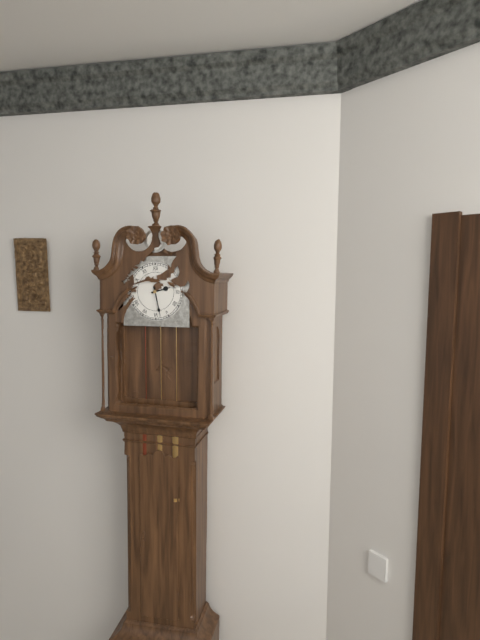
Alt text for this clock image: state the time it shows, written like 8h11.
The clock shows 2h28
